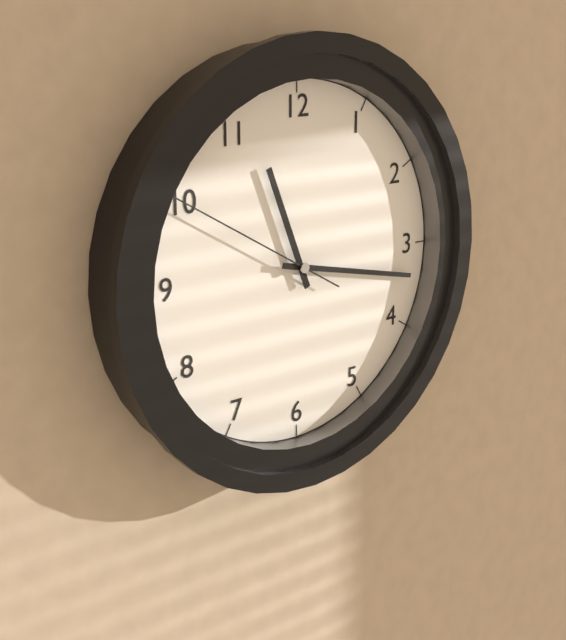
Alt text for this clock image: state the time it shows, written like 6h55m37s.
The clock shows 11h17m50s
